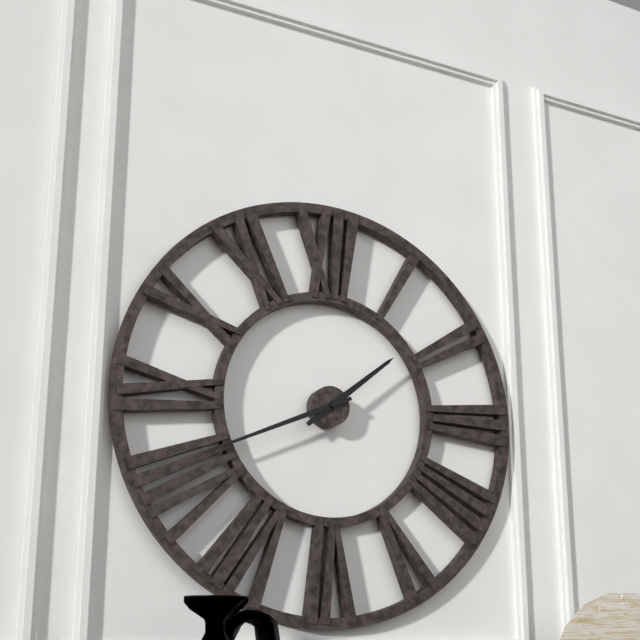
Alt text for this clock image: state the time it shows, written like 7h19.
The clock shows 1h41
